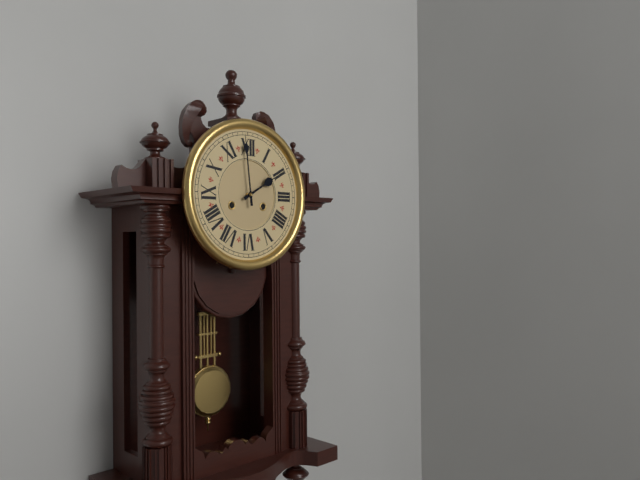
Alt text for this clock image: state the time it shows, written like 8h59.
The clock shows 1h59
